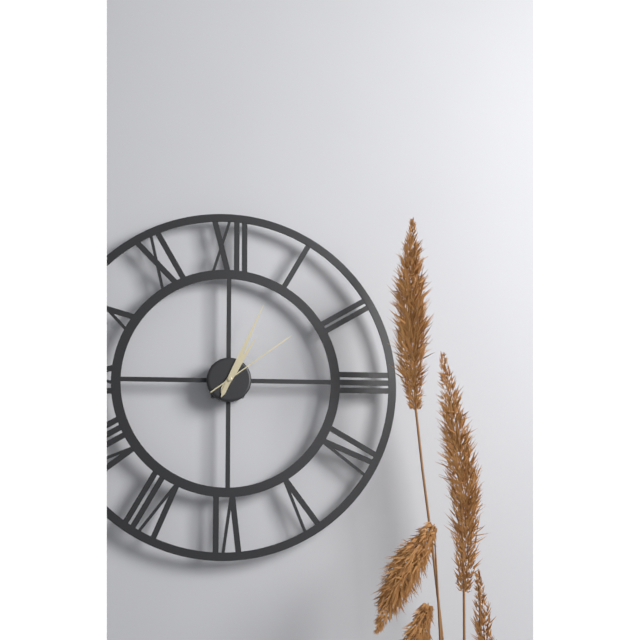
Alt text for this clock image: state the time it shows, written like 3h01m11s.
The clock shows 1h04m09s
